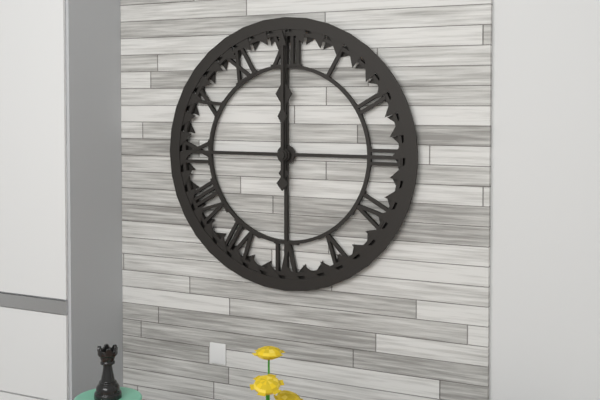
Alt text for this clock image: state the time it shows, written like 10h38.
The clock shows 12h00
